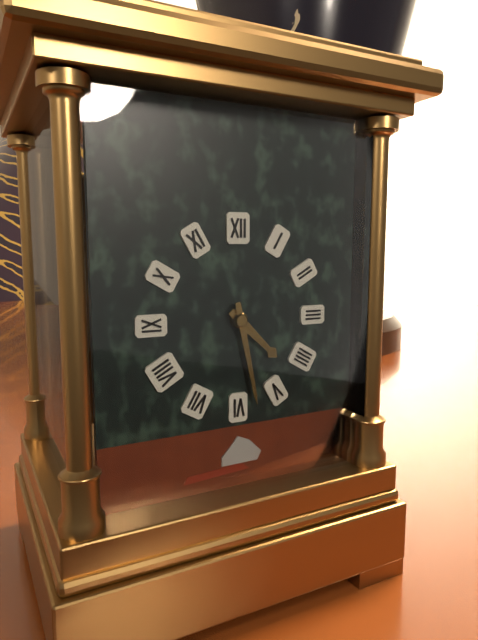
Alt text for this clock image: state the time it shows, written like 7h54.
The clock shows 4h28
